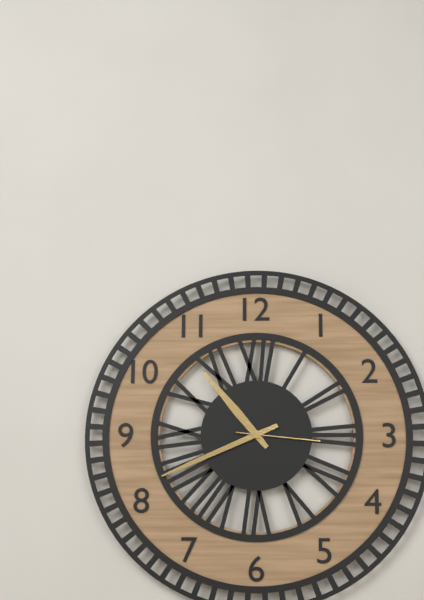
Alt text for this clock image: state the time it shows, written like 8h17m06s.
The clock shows 10h41m16s
